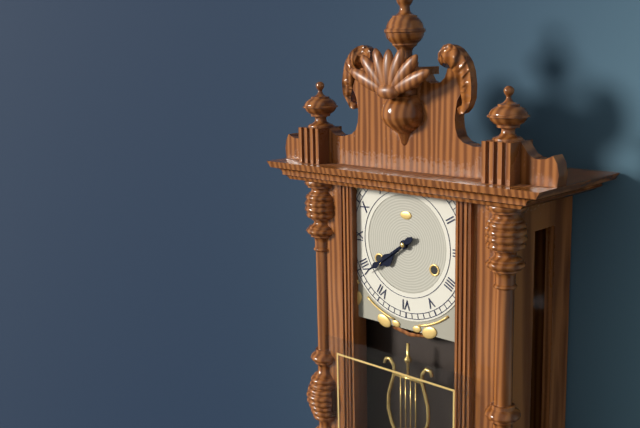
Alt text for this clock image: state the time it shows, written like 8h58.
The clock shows 7h39
